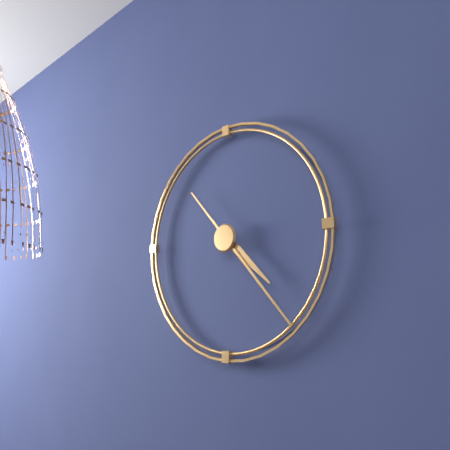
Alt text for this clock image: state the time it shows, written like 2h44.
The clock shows 4h23
